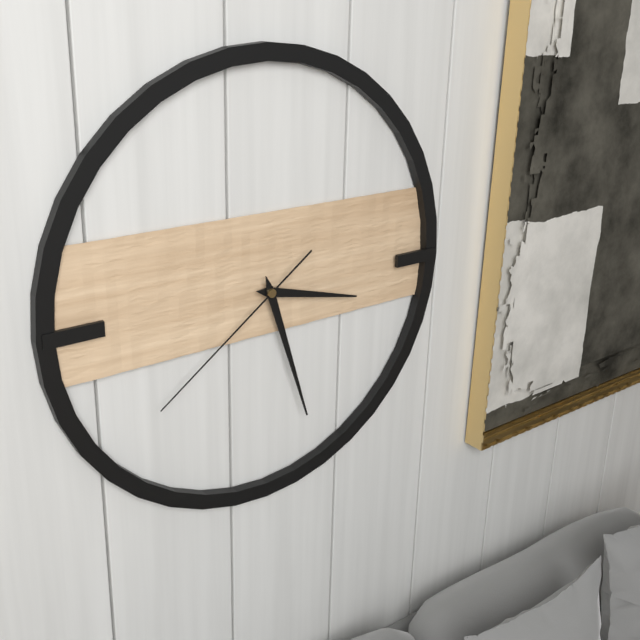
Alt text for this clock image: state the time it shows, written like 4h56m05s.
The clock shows 3h27m39s
